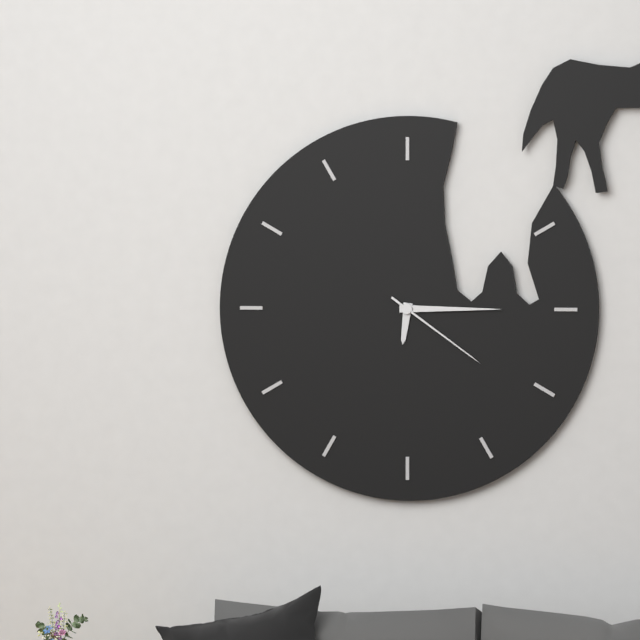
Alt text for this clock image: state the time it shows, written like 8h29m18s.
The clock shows 6h15m21s
